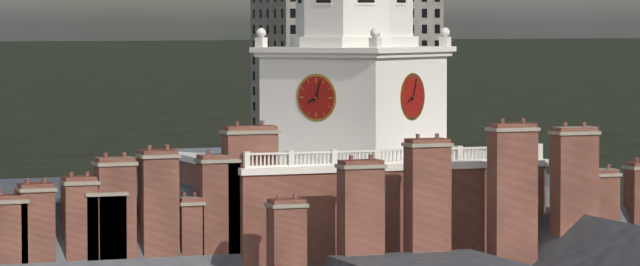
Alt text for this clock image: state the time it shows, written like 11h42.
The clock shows 8h03
